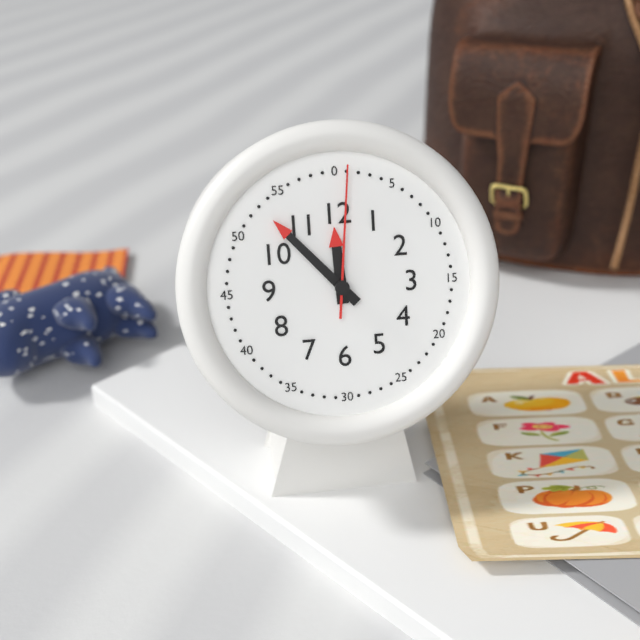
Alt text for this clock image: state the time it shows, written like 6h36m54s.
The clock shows 11h53m01s
